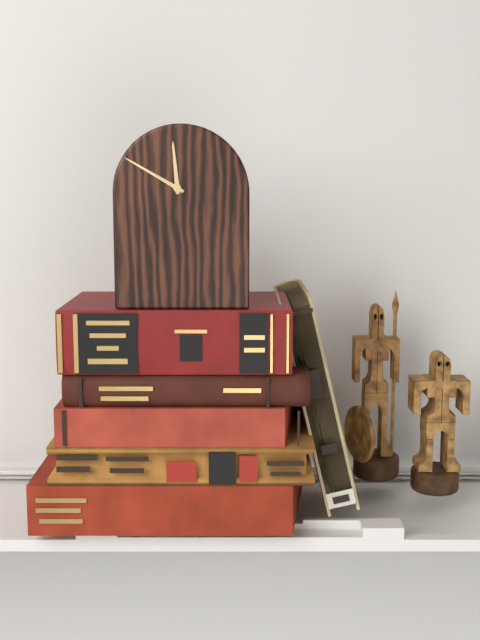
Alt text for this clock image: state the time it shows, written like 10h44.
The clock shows 11h50
